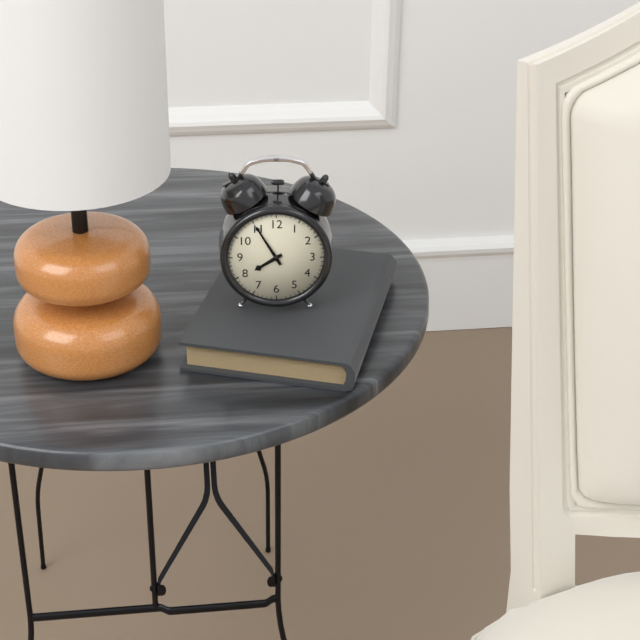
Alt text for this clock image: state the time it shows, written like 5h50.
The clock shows 7h55
